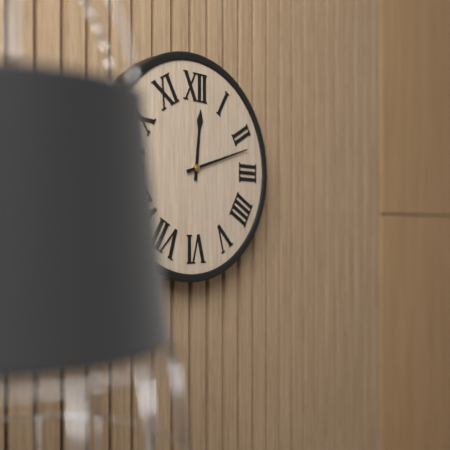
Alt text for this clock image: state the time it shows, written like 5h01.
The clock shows 12h12
